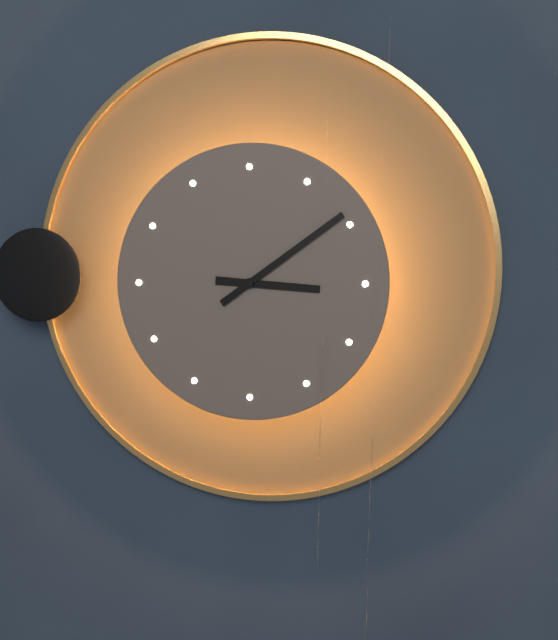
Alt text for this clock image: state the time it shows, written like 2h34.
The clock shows 3h09
